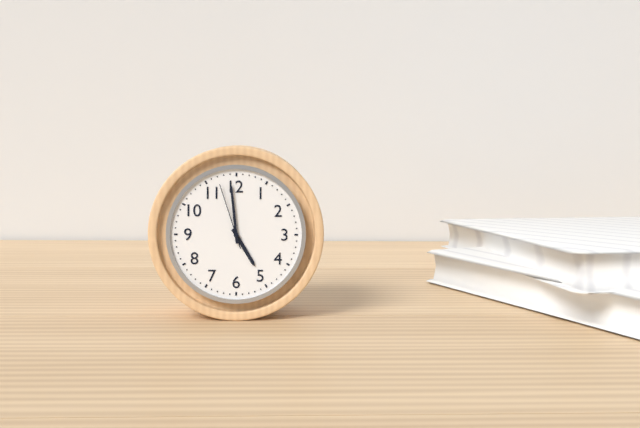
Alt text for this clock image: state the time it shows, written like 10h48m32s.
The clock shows 4h59m57s
